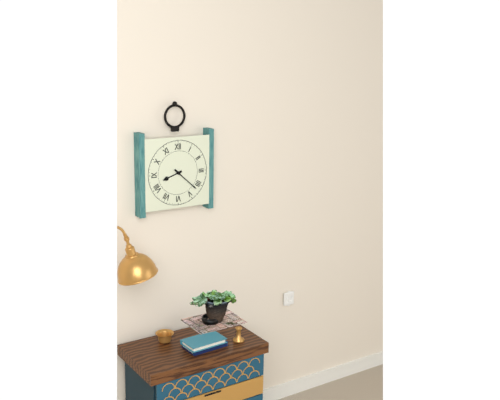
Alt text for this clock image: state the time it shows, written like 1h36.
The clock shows 8h22
